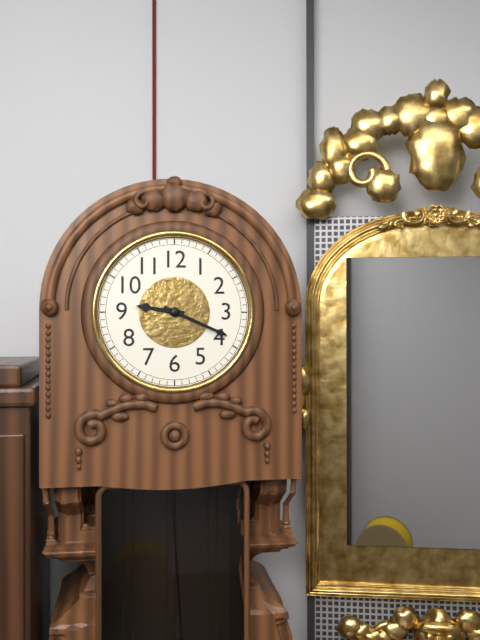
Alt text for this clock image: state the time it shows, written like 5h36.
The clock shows 9h19
